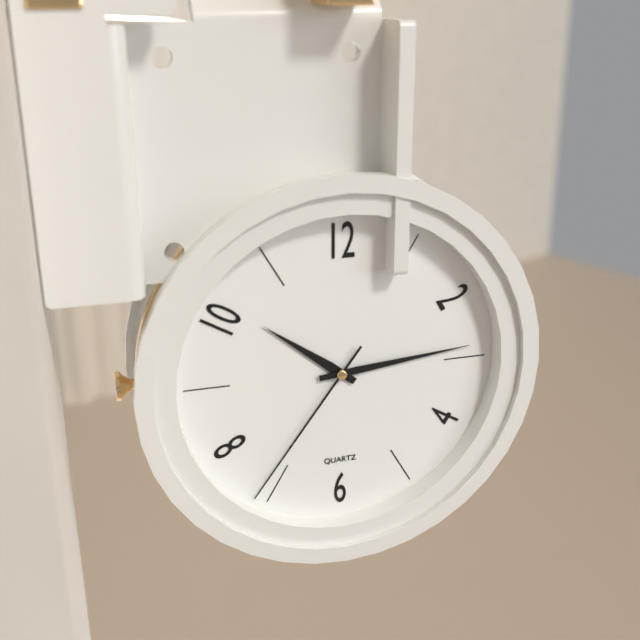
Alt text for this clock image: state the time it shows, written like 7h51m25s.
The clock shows 10h14m36s
